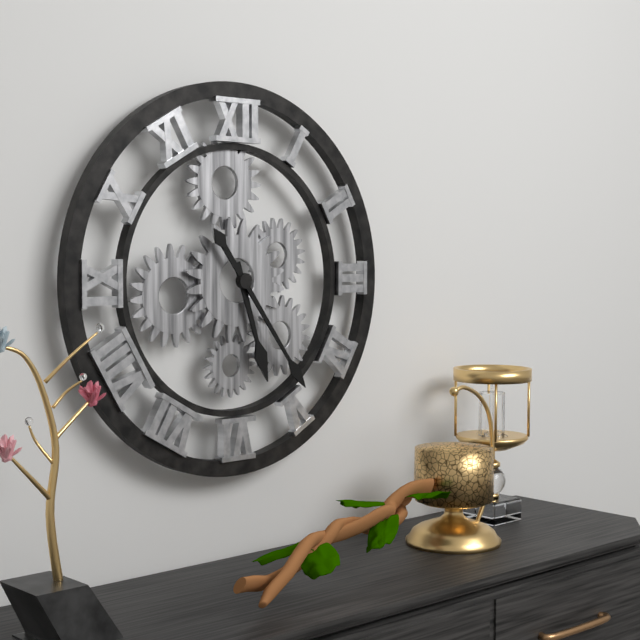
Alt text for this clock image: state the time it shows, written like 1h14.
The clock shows 5h24
